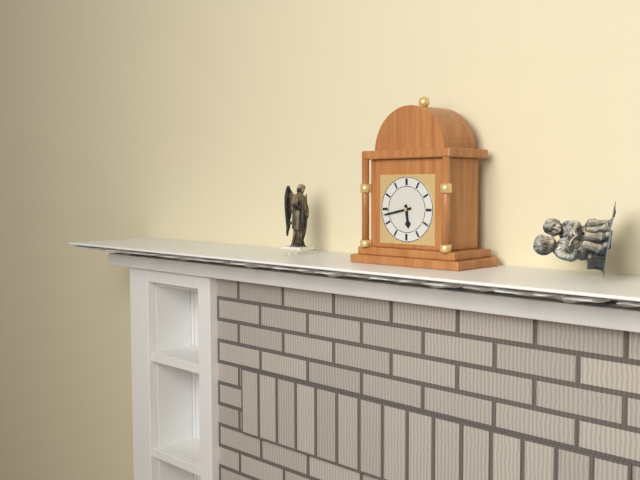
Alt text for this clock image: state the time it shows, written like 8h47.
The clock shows 5h43
